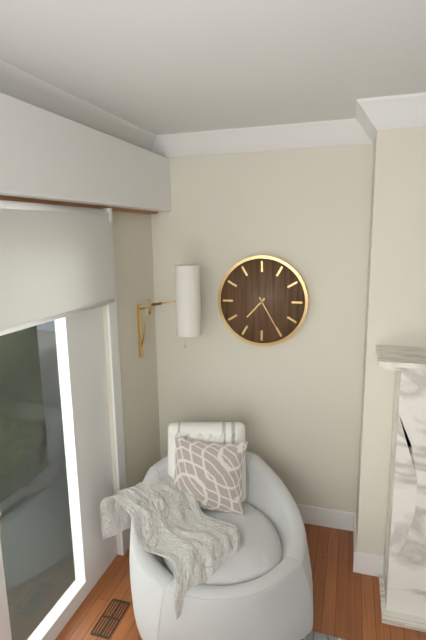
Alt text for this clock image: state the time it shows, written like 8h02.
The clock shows 7h25
